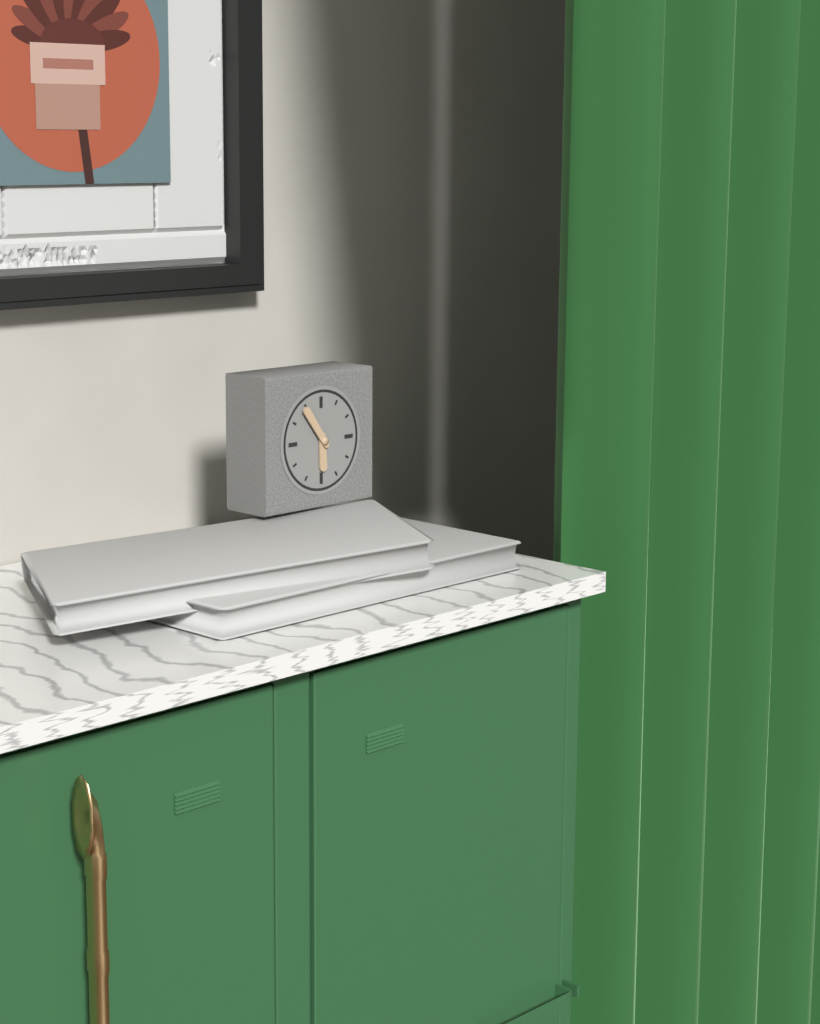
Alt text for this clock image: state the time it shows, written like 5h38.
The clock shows 5h54
